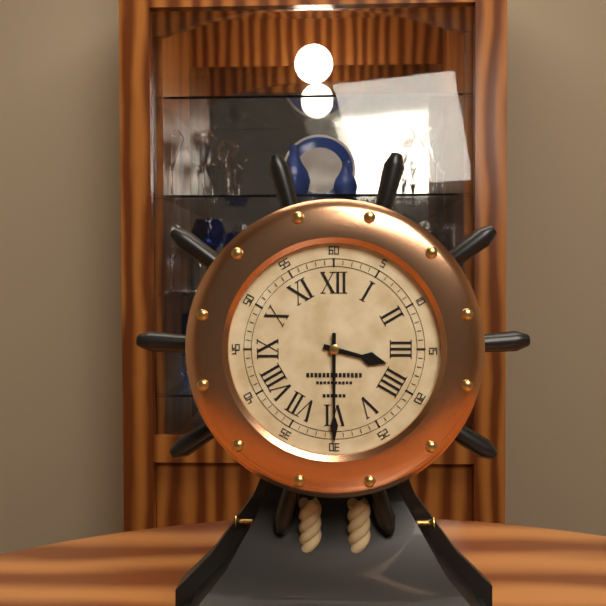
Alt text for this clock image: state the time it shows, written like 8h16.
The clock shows 3h30
